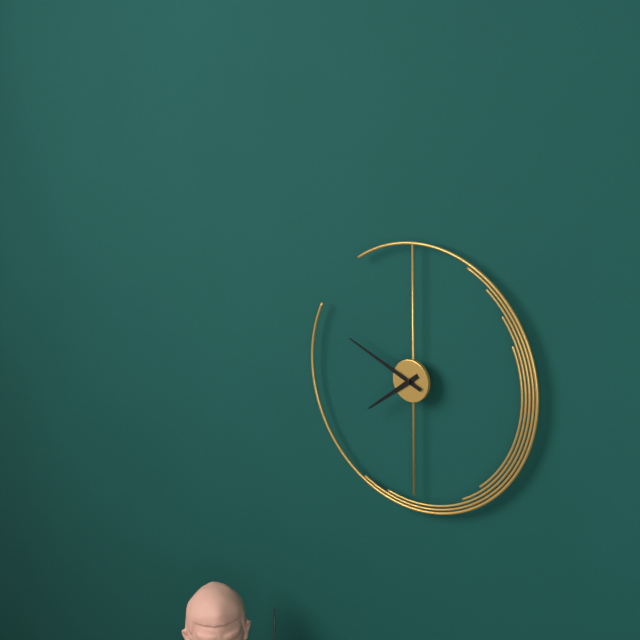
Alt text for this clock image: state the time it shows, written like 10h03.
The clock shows 7h49
